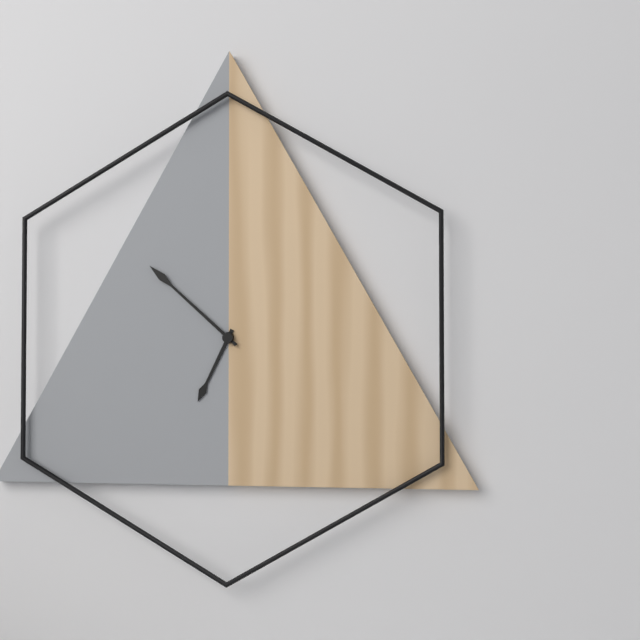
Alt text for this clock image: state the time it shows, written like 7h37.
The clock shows 6h52
